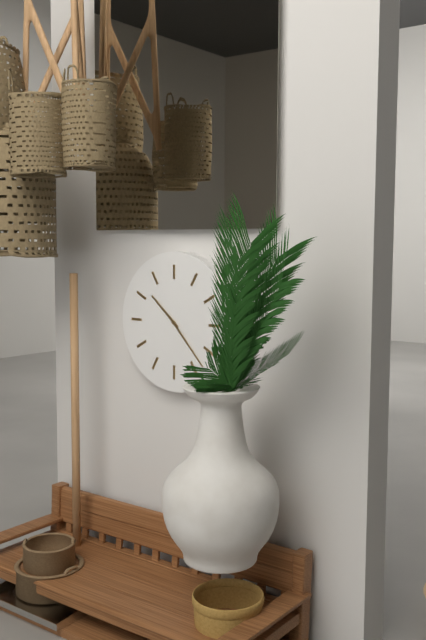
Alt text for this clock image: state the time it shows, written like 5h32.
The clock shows 10h23
